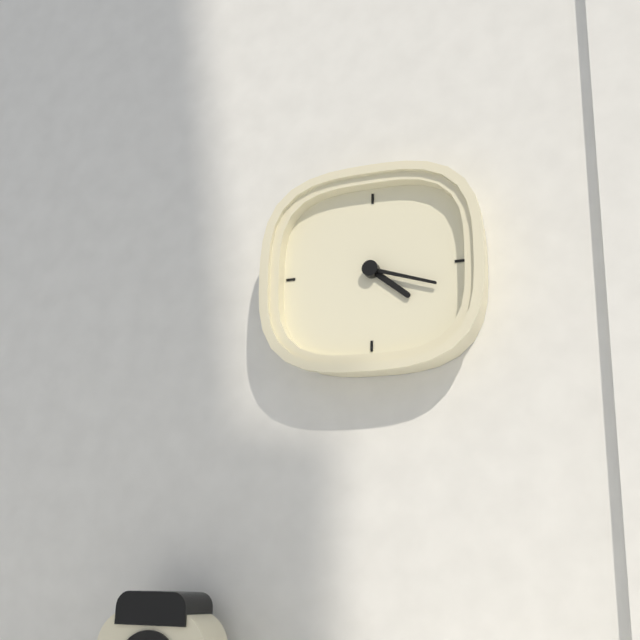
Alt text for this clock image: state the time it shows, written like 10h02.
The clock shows 4h18
